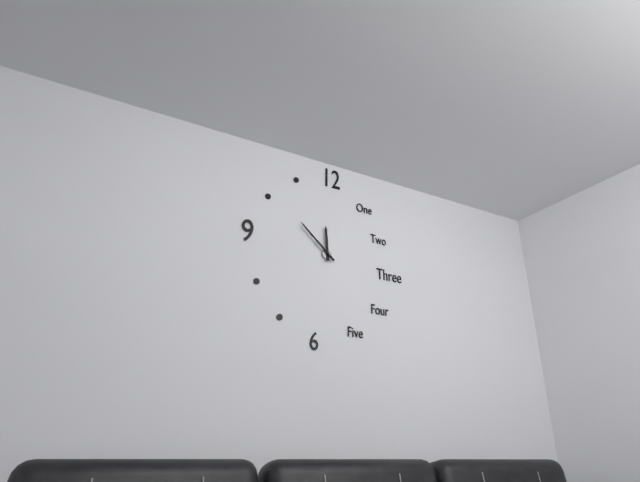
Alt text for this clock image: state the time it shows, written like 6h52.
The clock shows 11h52
